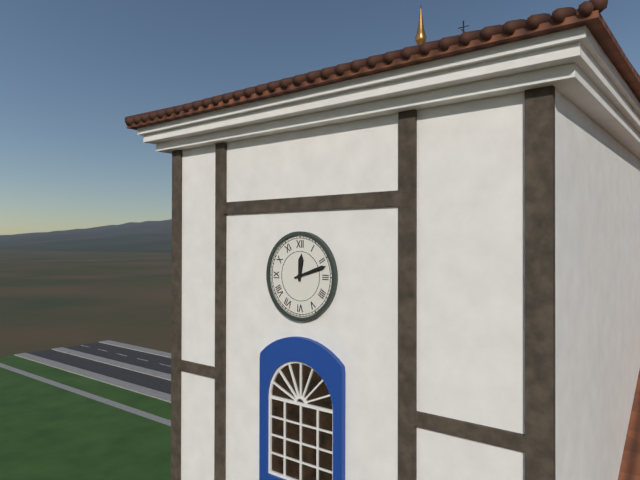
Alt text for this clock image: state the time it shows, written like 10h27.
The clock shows 12h12
